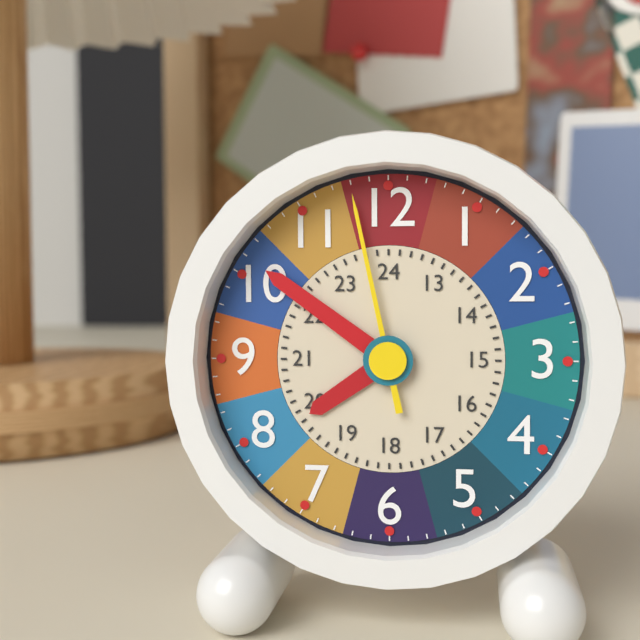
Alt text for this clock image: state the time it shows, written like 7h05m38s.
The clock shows 7h51m58s
